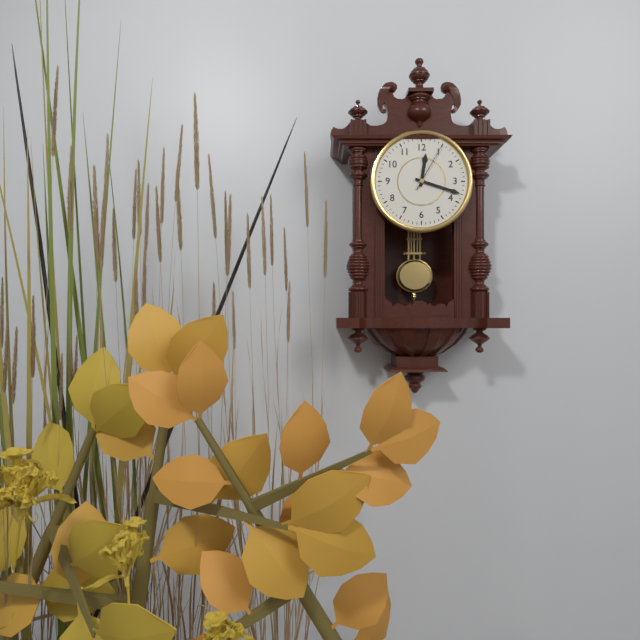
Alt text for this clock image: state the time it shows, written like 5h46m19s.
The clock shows 12h18m05s
